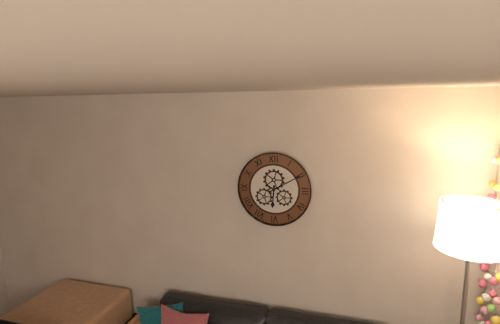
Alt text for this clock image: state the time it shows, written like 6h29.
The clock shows 6h10
